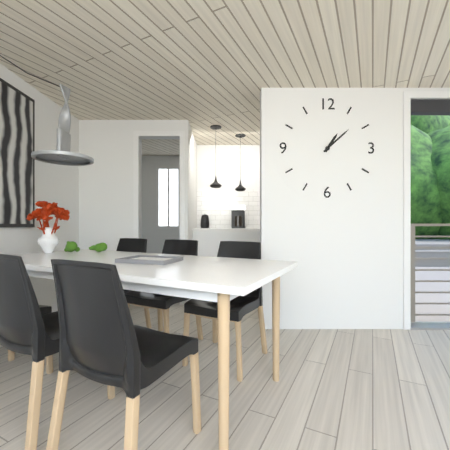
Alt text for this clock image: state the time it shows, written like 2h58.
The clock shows 1h08
